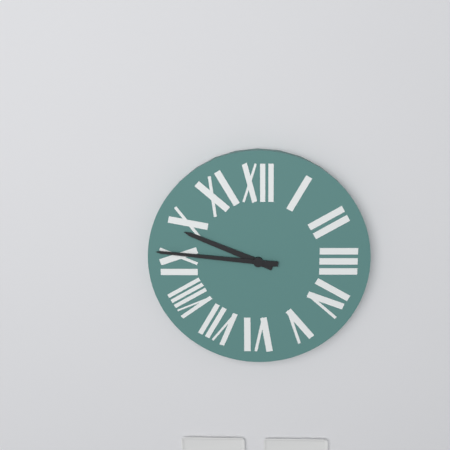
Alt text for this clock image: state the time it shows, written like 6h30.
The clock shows 9h46
